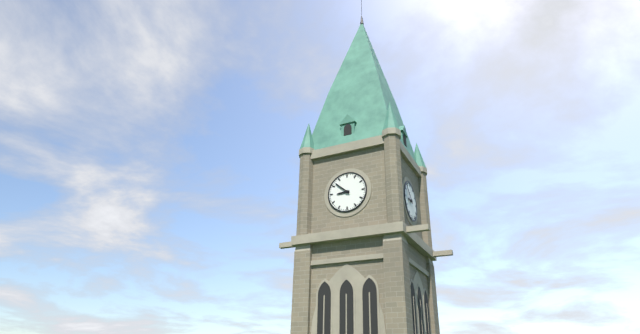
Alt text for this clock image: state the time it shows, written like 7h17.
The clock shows 8h52
